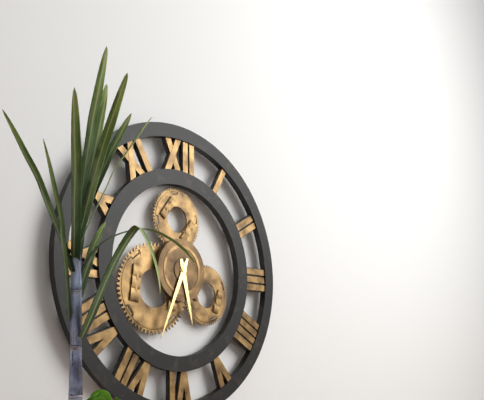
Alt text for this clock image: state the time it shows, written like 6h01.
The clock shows 5h34
